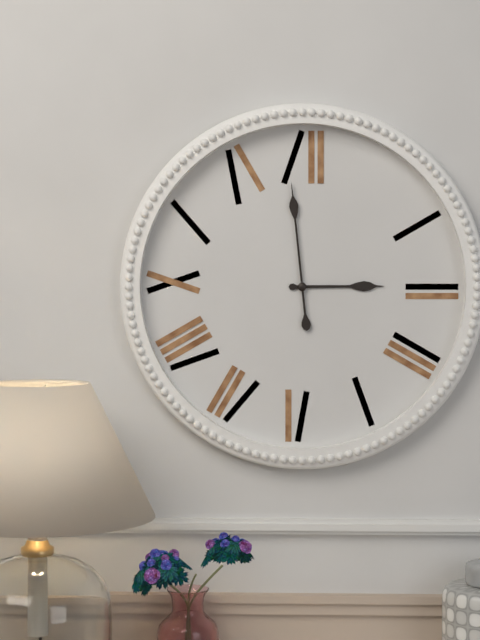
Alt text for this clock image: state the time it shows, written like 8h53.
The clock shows 2h59
